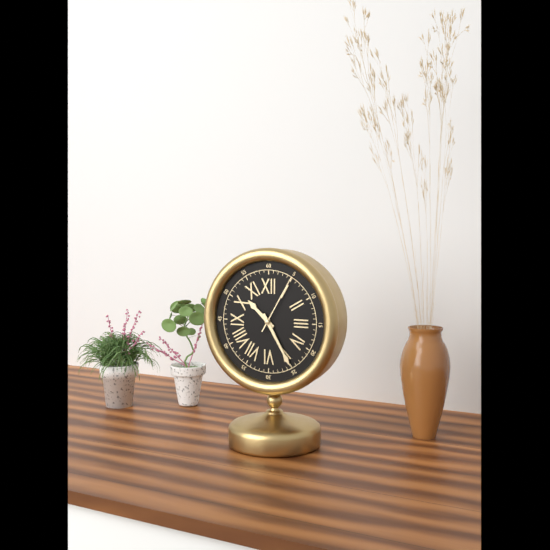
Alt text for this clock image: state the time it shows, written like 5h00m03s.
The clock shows 10h25m05s
